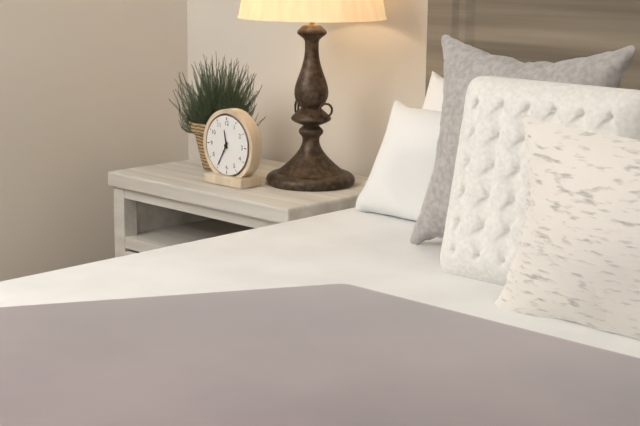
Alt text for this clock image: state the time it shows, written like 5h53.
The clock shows 11h35
